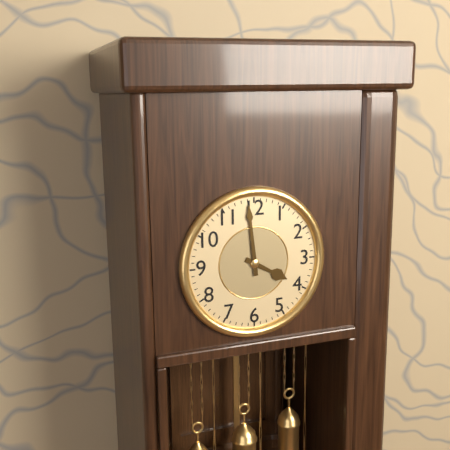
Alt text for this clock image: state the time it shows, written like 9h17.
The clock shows 3h59
